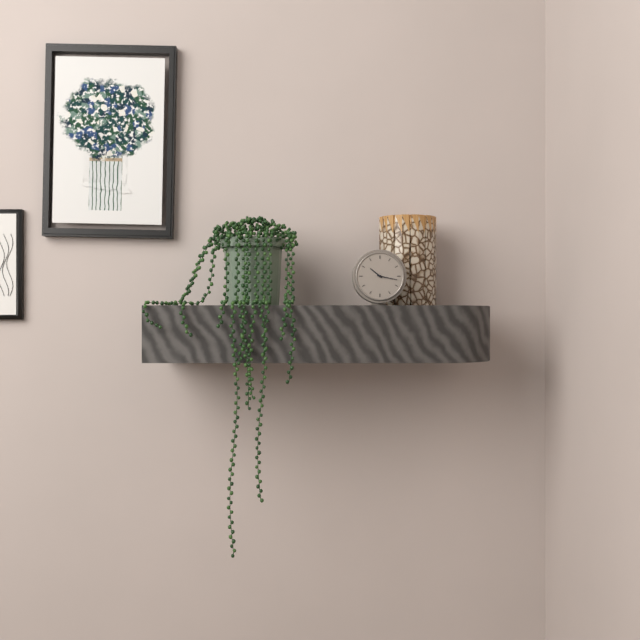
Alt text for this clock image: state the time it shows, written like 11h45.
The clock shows 10h17
